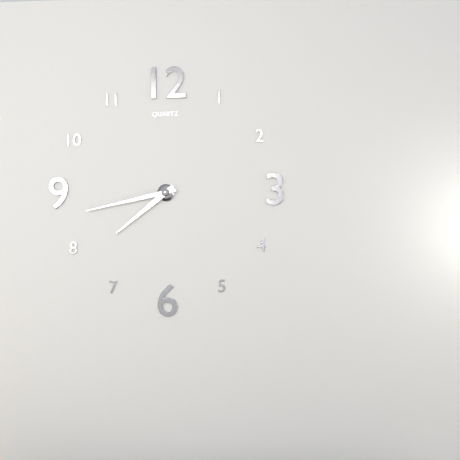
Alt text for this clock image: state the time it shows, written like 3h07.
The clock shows 7h43
